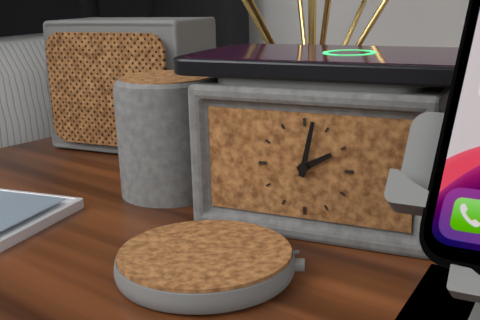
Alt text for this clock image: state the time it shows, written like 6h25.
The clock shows 2h02
